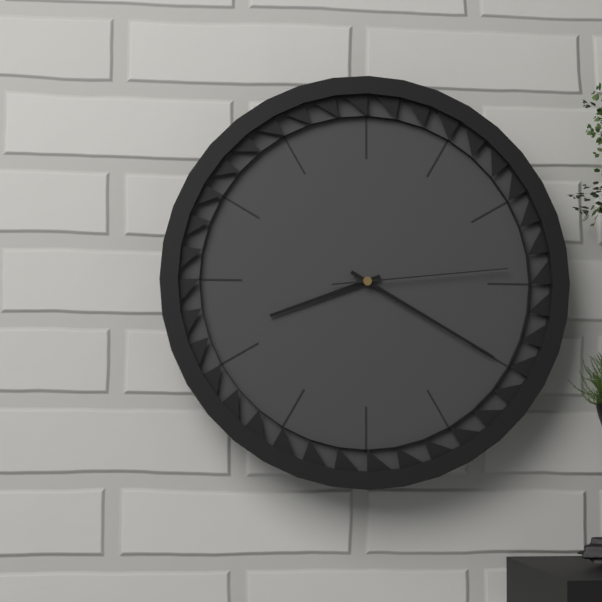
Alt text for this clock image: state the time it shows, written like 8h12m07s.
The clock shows 8h20m14s
